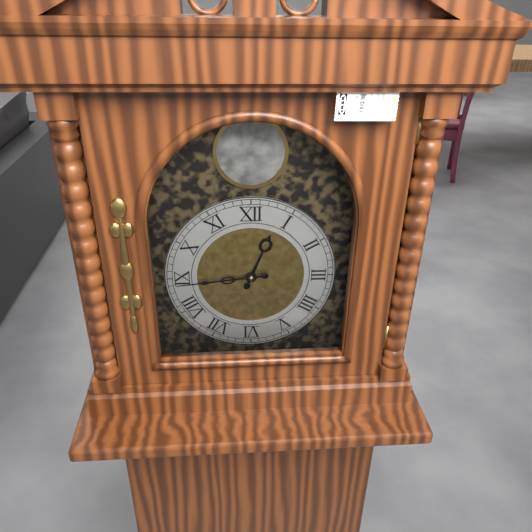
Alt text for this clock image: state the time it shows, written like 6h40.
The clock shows 12h44
